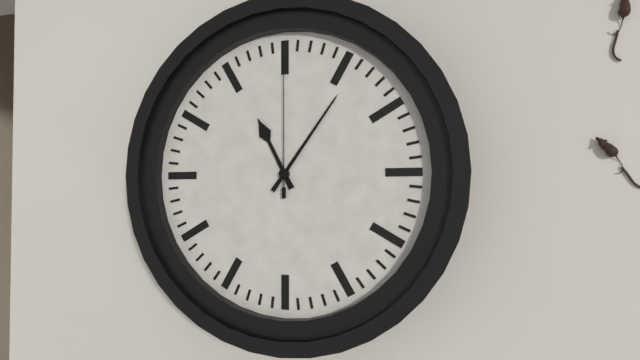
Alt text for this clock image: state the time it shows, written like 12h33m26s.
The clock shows 11h06m00s
